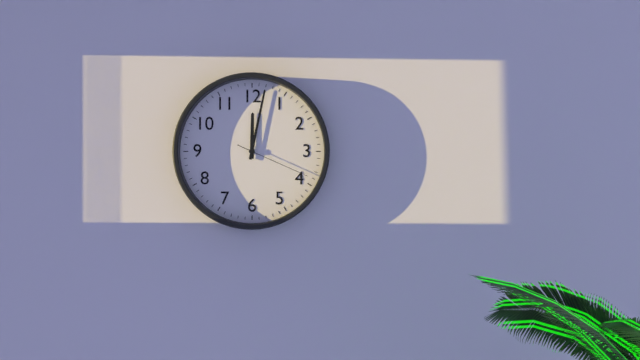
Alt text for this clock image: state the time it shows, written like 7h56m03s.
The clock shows 12h02m19s
